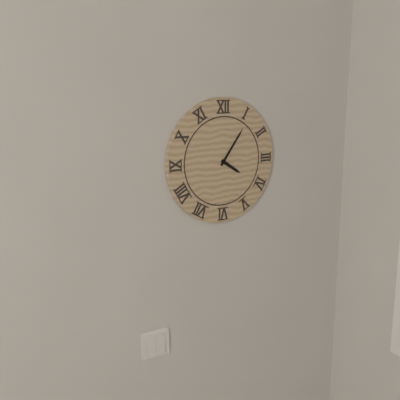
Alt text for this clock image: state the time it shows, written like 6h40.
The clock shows 4h06
